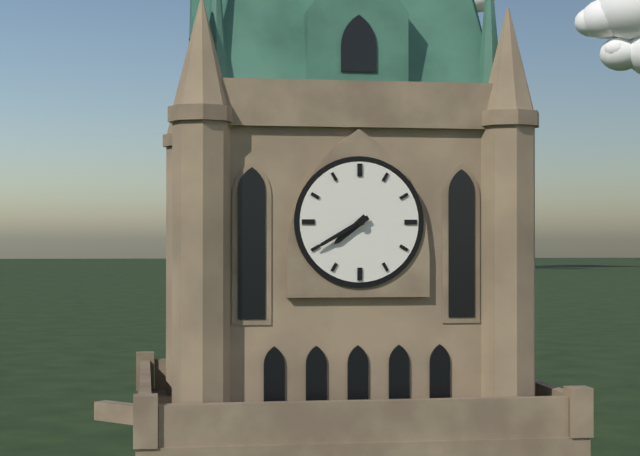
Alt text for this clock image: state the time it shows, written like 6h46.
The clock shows 7h40
